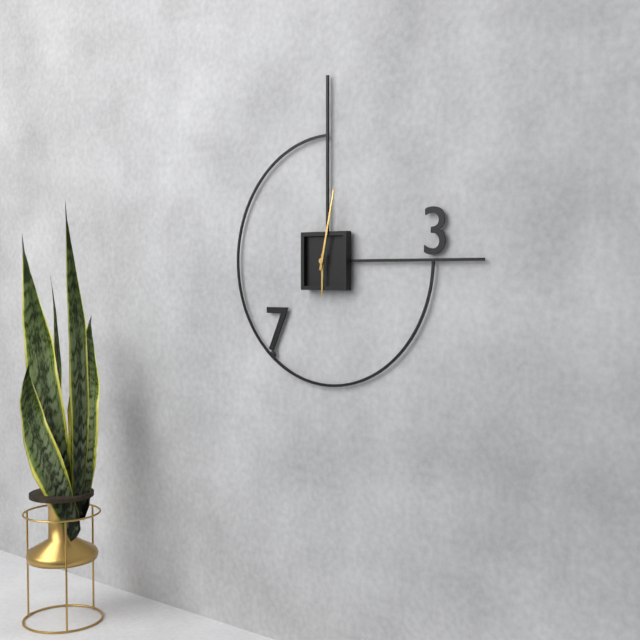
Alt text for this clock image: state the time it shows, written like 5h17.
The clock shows 6h02
